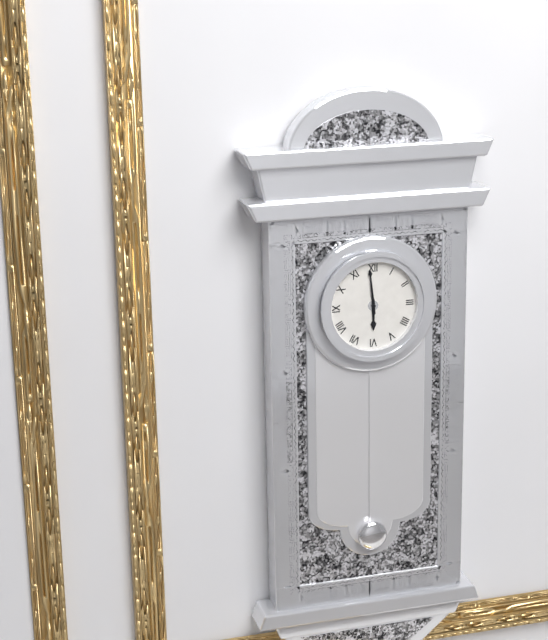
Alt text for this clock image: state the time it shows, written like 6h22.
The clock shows 5h59
